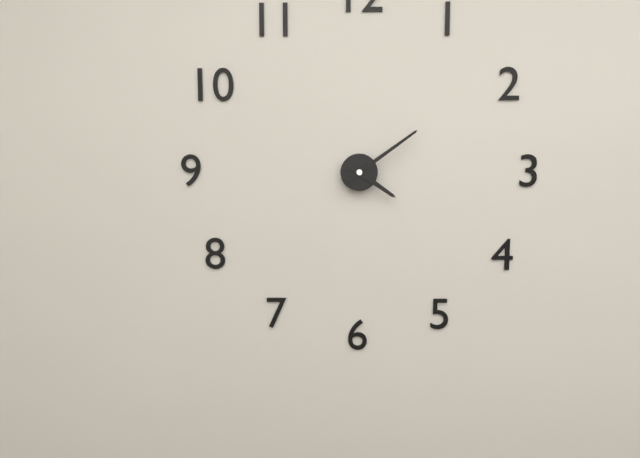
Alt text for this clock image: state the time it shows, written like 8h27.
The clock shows 4h09
